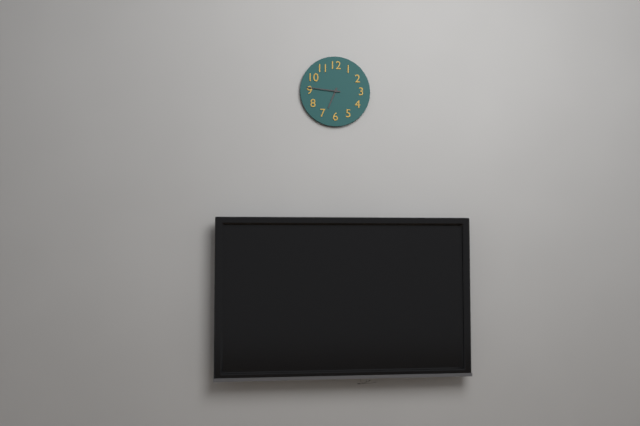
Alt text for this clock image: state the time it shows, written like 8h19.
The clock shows 6h46
